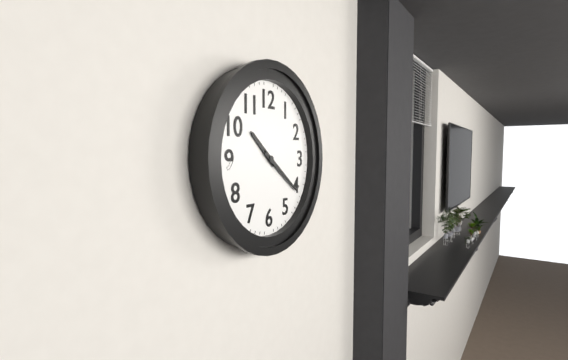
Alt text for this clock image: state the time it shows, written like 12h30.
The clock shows 10h21
